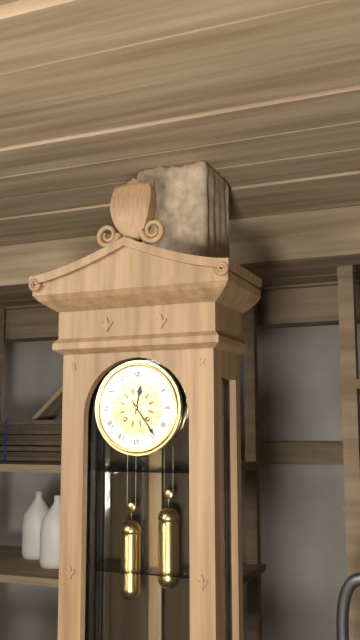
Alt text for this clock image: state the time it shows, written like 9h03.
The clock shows 12h24
